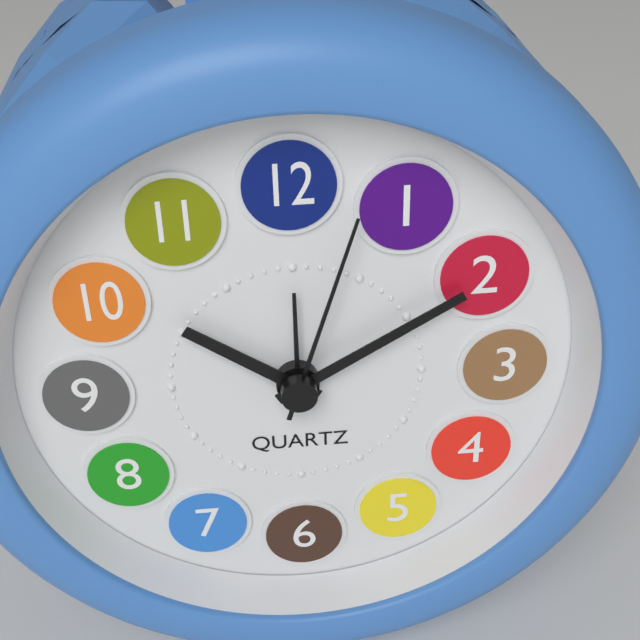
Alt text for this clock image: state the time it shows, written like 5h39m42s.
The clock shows 10h10m03s
